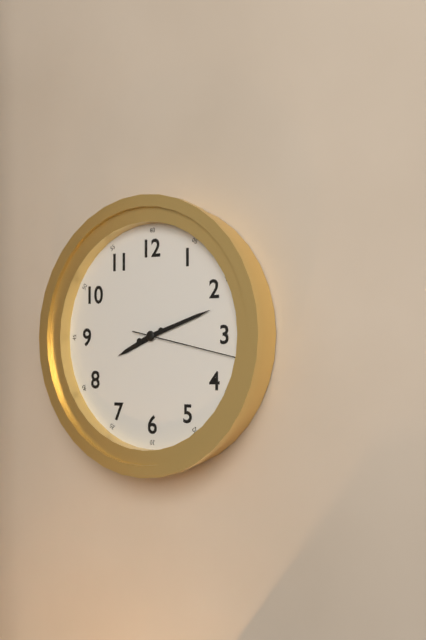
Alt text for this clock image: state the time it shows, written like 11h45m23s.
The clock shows 8h12m17s
